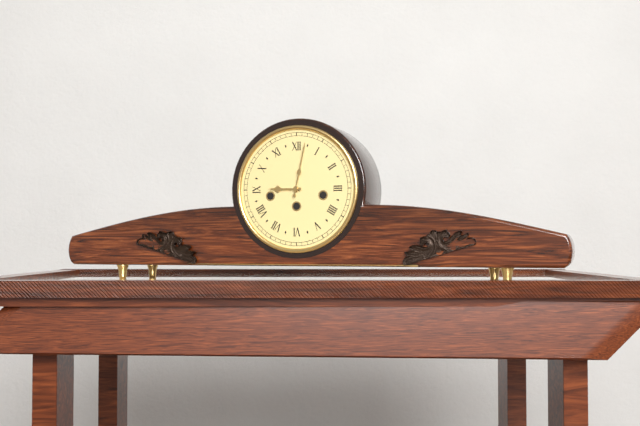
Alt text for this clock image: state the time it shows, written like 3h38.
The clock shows 9h02
